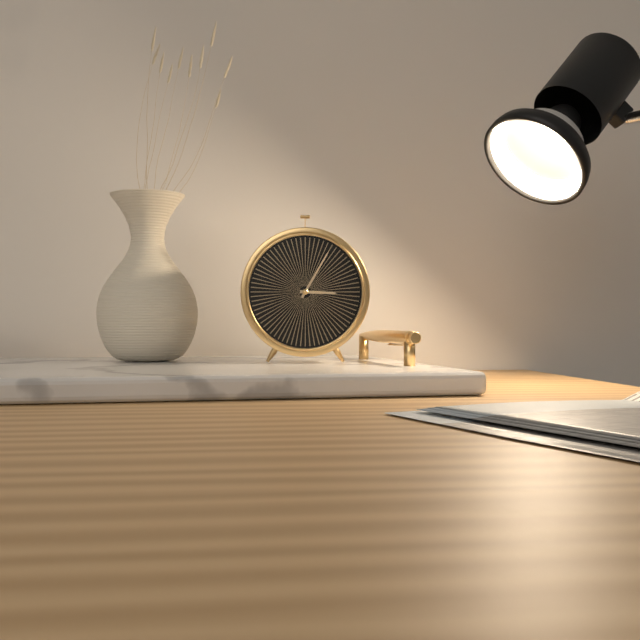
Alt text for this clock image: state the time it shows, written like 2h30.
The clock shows 3h05
